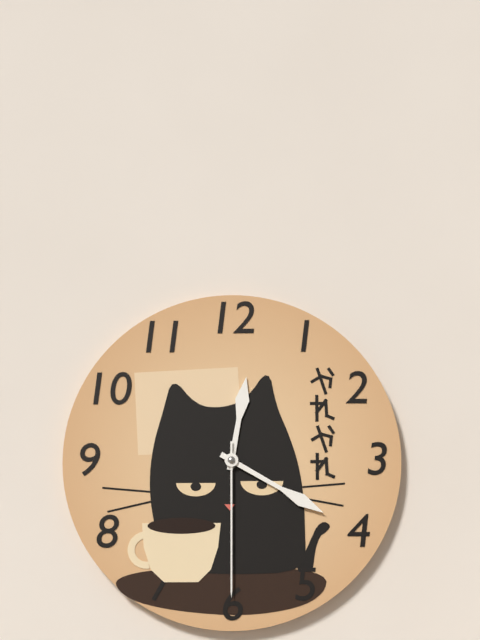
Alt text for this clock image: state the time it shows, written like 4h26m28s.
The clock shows 12h20m30s
